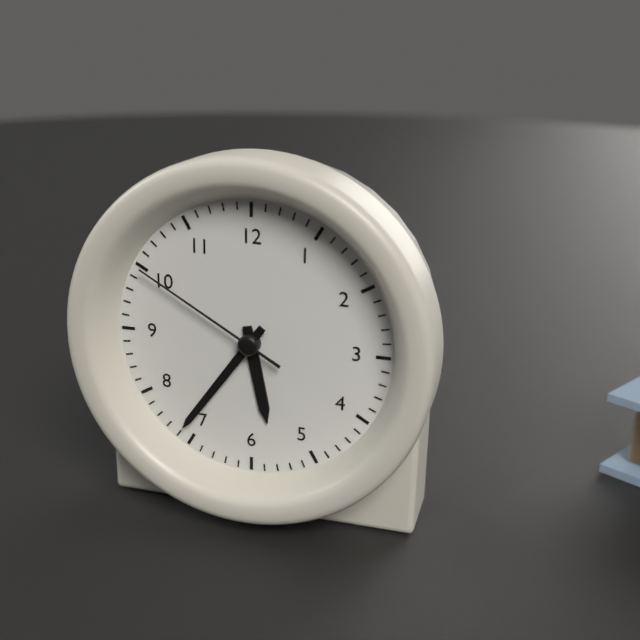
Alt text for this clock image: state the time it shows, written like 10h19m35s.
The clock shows 5h36m50s
